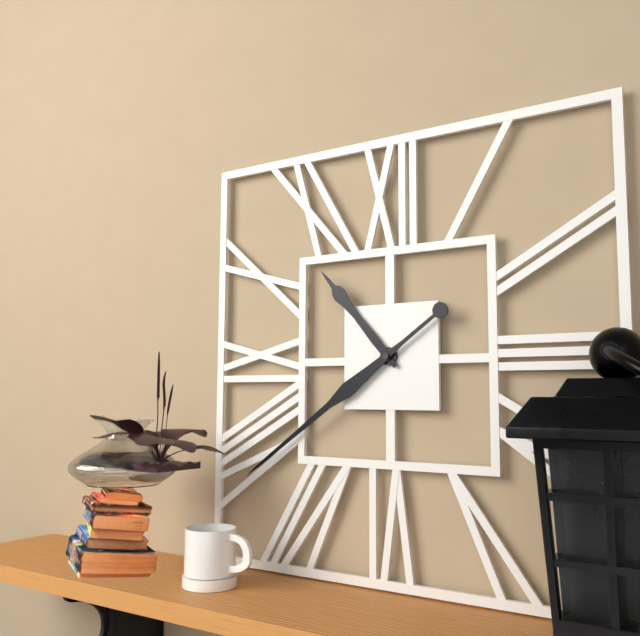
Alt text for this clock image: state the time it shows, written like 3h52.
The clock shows 10h39
